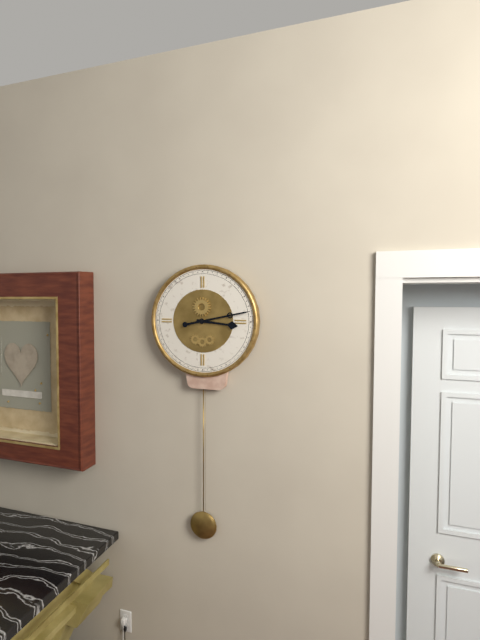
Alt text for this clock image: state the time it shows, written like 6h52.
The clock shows 3h13
